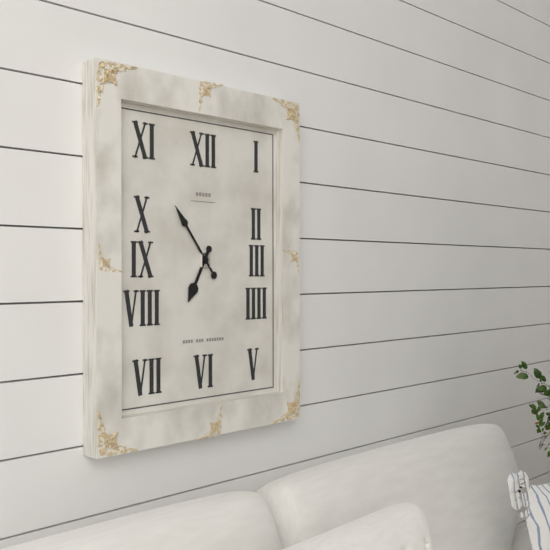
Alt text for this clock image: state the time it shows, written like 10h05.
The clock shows 6h54
